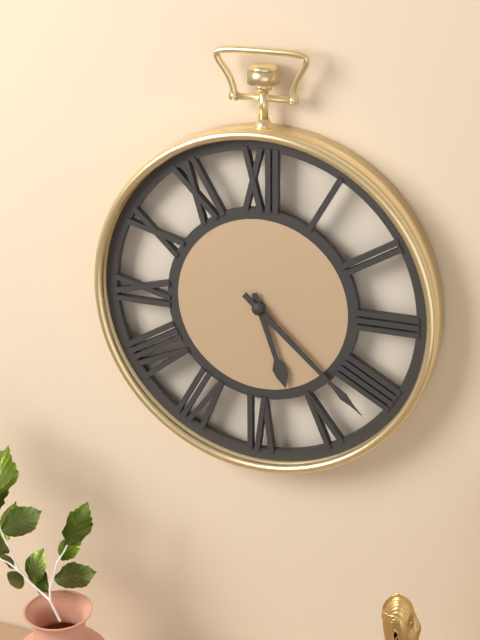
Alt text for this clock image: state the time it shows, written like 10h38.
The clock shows 5h22
